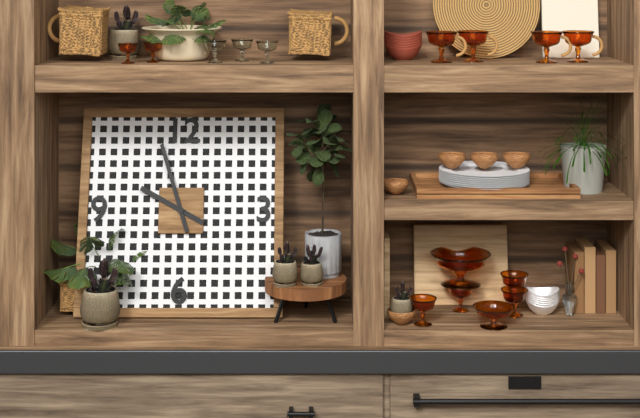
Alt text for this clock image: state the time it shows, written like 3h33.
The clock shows 9h57
